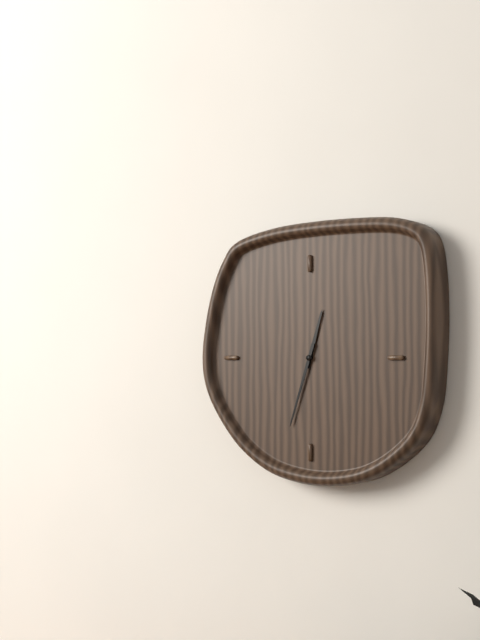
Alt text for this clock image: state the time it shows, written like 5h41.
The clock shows 12h33
